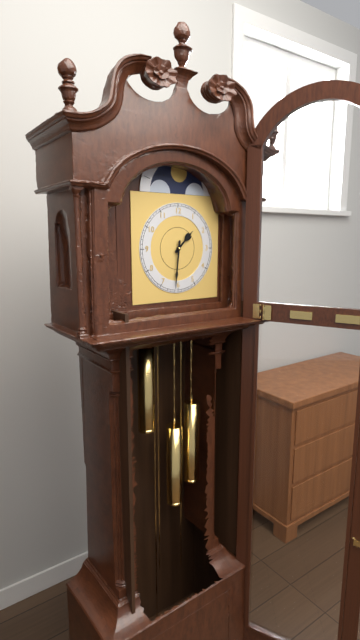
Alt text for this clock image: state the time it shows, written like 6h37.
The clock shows 1h31
